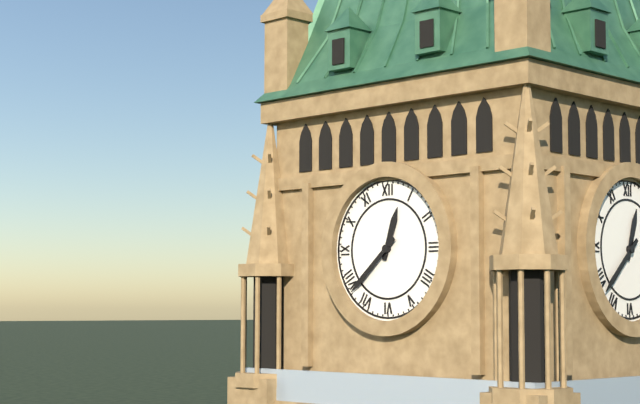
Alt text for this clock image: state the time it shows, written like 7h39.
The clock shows 12h38
